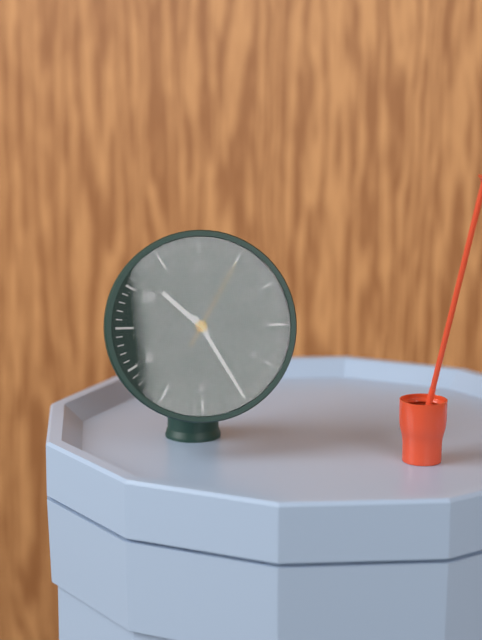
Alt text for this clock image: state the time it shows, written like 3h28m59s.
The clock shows 10h25m05s
